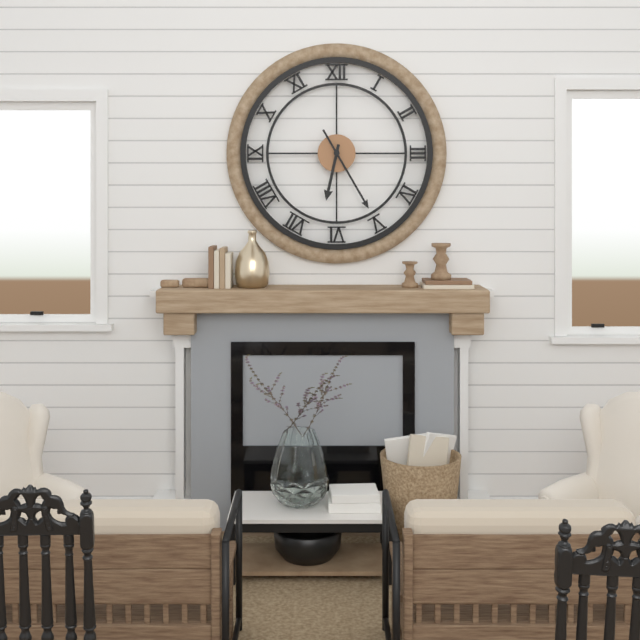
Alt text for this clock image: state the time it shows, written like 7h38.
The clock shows 6h25
